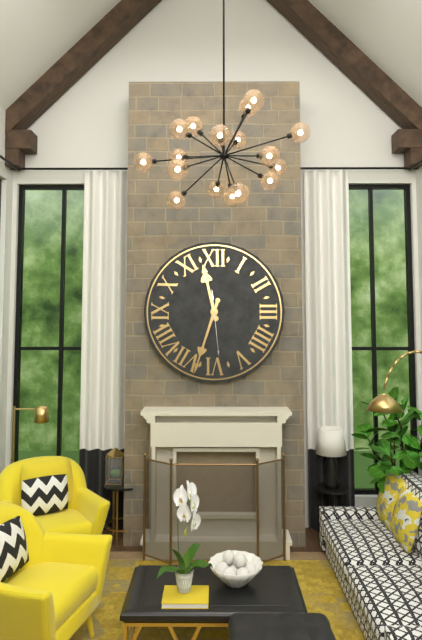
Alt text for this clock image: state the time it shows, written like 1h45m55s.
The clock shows 11h33m29s
